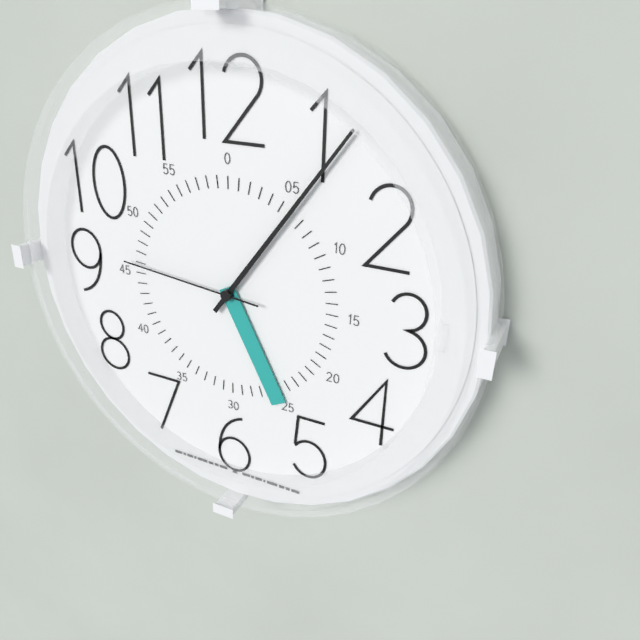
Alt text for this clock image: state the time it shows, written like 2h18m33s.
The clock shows 5h06m46s
